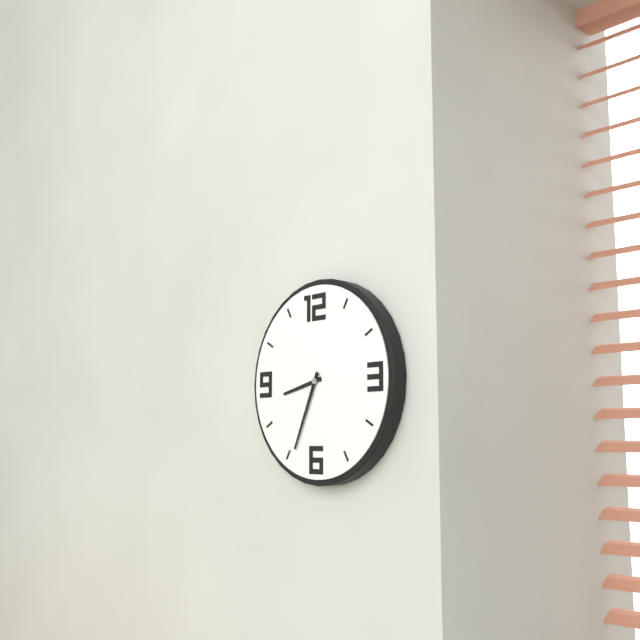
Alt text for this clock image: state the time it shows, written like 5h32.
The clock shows 8h34
